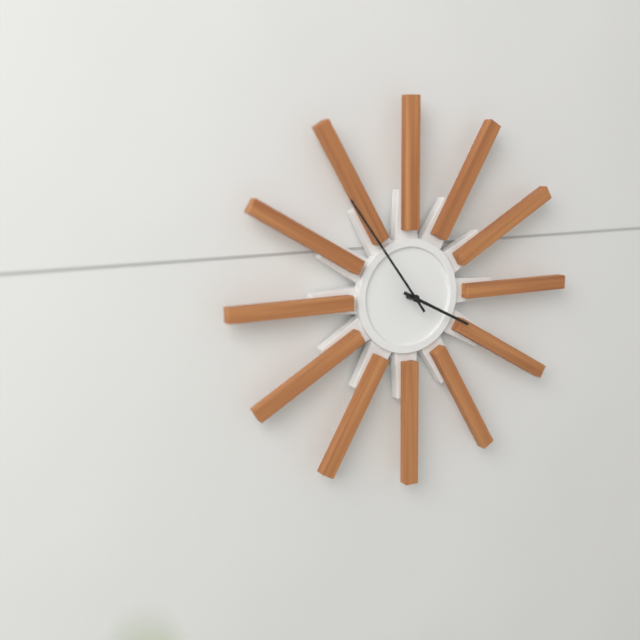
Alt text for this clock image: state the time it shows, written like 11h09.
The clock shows 3h54
